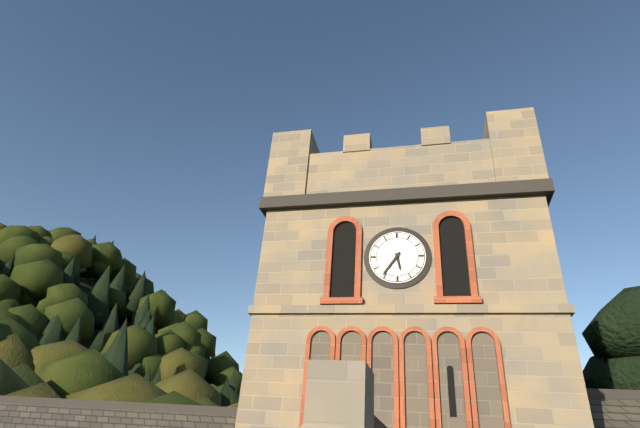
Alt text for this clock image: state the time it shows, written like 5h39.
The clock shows 5h36
